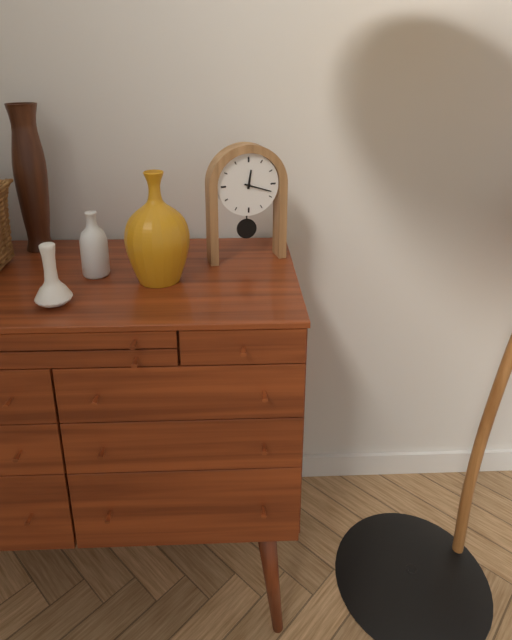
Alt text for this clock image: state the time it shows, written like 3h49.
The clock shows 12h18
